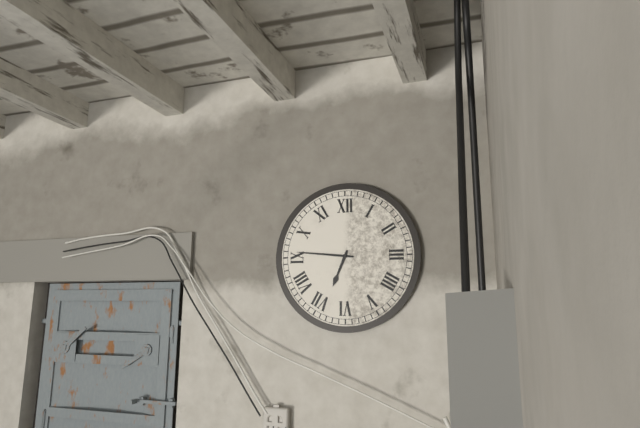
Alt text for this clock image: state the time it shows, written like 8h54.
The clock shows 6h46
